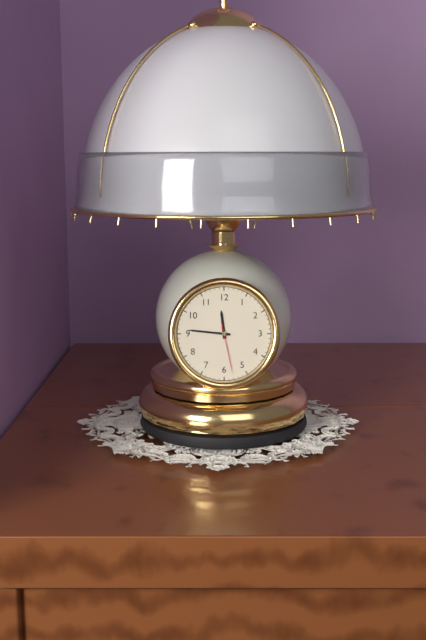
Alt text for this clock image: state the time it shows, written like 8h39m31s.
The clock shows 11h46m28s
